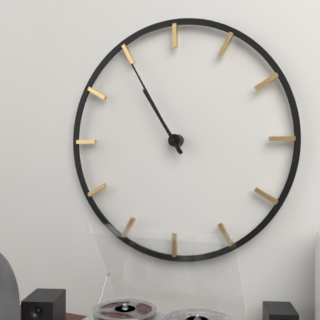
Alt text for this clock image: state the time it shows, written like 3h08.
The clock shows 10h55
